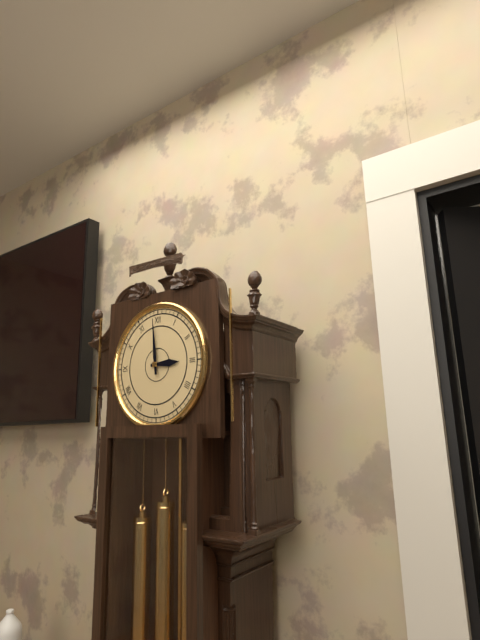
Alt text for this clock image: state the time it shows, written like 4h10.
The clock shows 2h59
